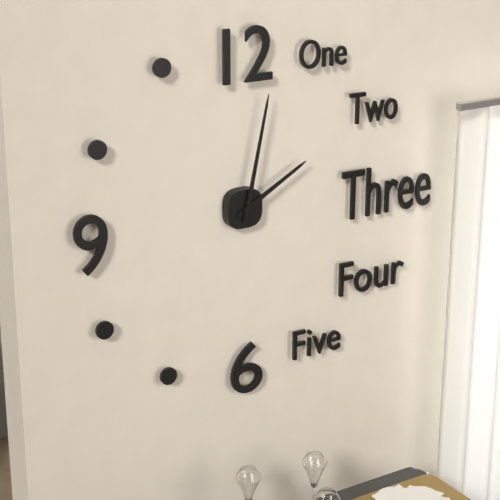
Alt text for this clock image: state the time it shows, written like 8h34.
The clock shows 2h02
